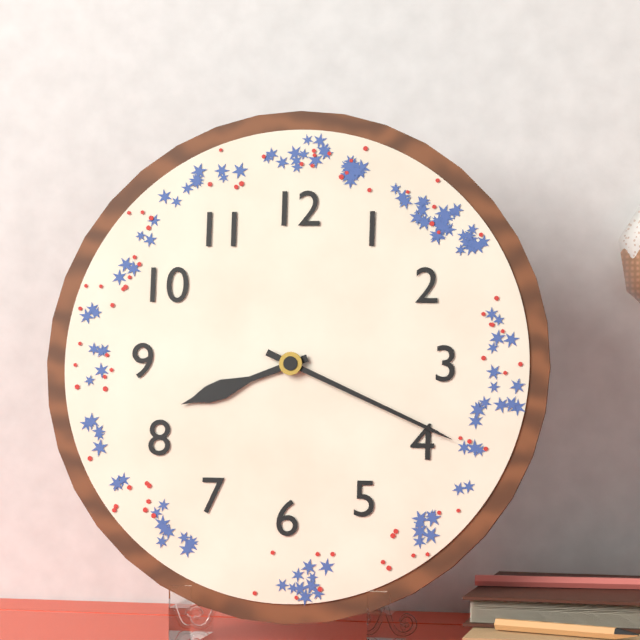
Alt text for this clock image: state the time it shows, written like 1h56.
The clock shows 8h19
